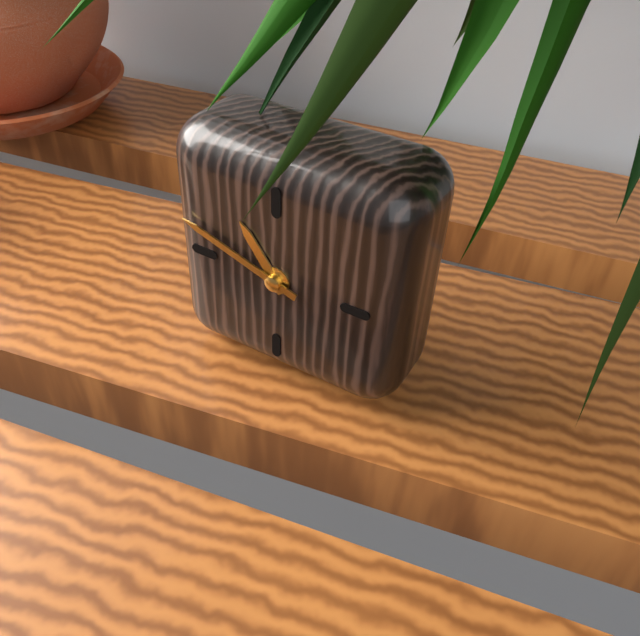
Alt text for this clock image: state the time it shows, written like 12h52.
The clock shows 10h48
